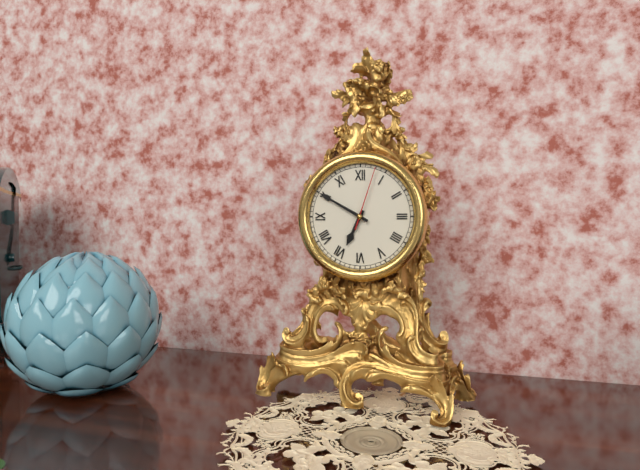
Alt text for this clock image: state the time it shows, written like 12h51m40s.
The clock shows 6h50m03s
